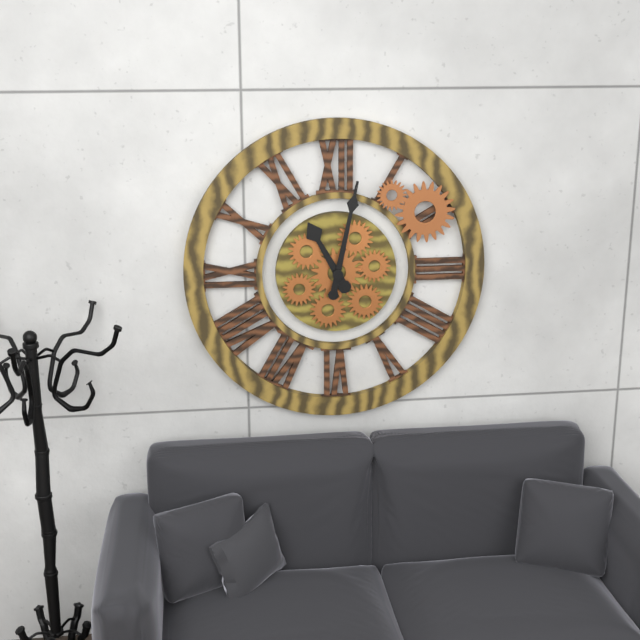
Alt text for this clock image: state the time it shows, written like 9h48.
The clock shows 11h02
